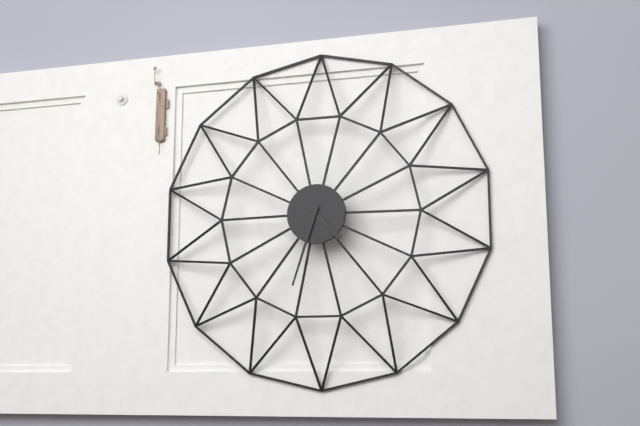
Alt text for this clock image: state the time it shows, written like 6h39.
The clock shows 4h33
